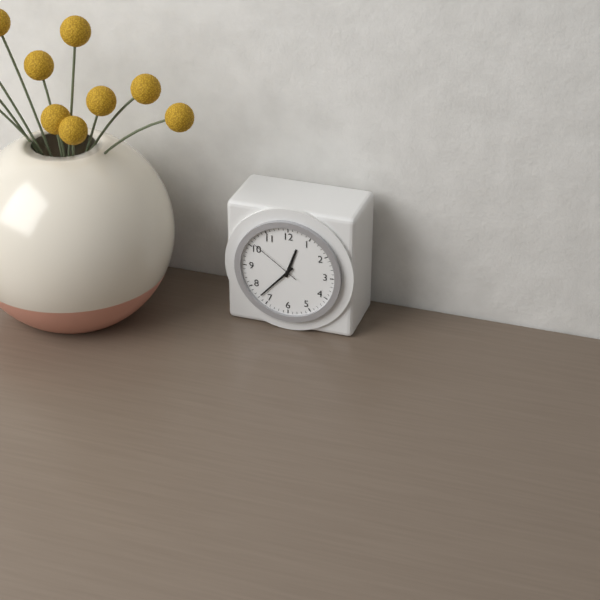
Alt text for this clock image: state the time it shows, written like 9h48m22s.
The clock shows 12h37m51s
